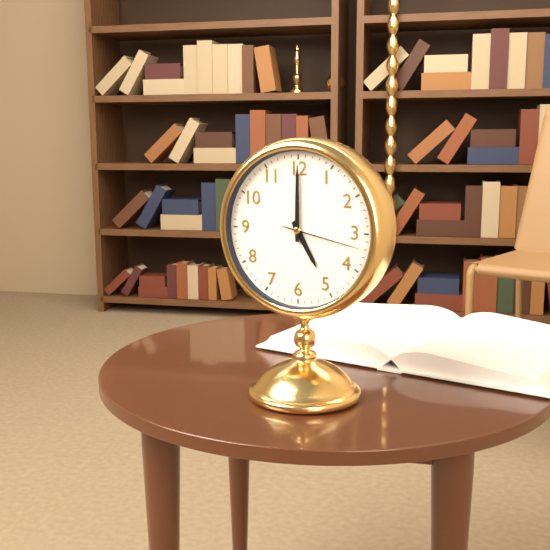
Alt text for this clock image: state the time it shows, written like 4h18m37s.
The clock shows 5h00m17s
